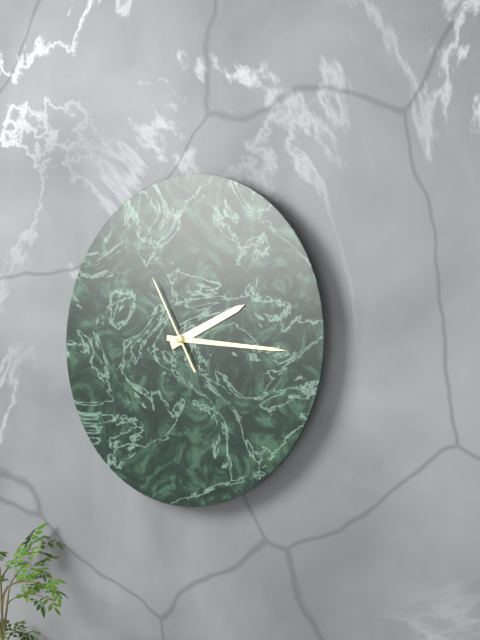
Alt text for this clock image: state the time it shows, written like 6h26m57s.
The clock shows 2h16m55s
